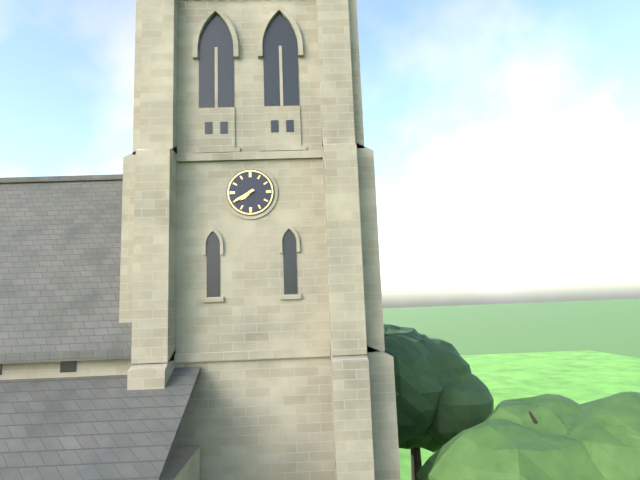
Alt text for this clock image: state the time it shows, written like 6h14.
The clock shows 7h40
